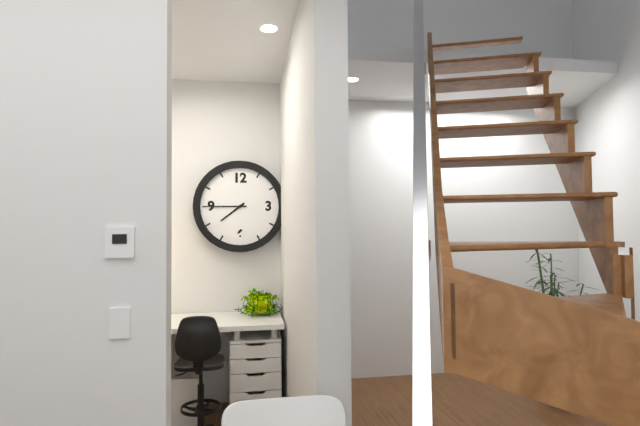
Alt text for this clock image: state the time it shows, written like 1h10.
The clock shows 7h45
